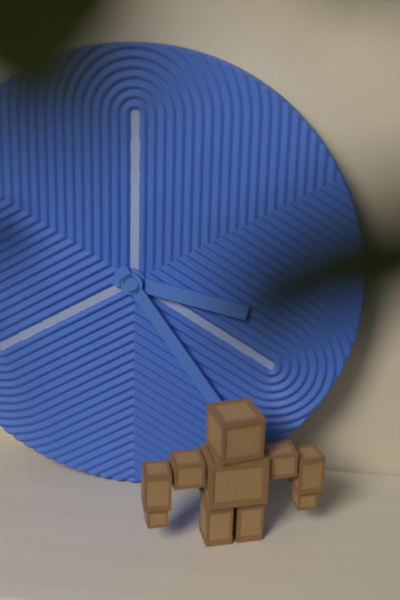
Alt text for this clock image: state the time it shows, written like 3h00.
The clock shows 3h24
